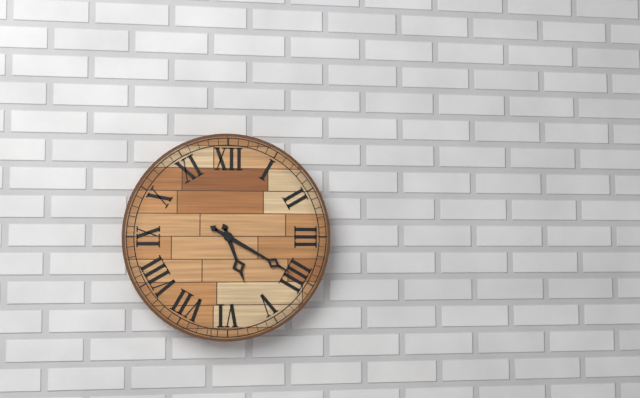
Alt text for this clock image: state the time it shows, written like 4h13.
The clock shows 5h20
